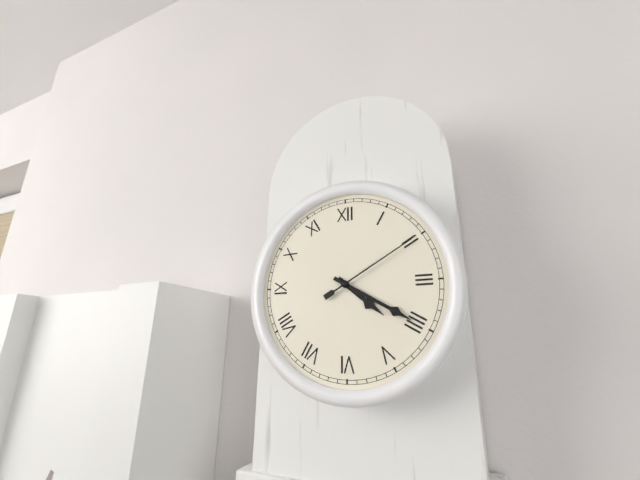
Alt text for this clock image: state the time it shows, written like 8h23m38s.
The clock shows 4h20m10s
